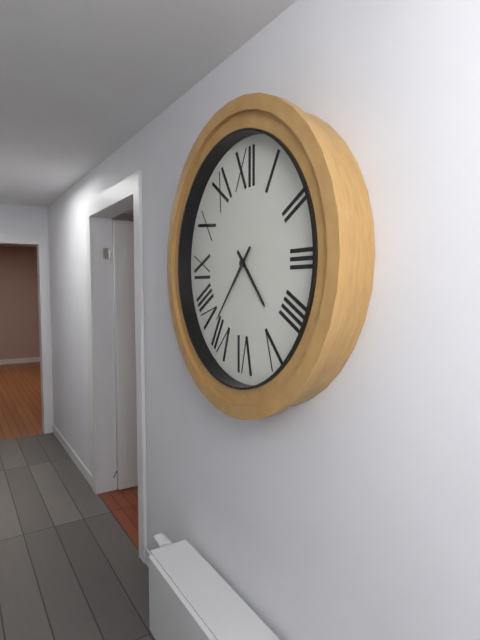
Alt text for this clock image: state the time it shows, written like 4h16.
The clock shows 4h37
